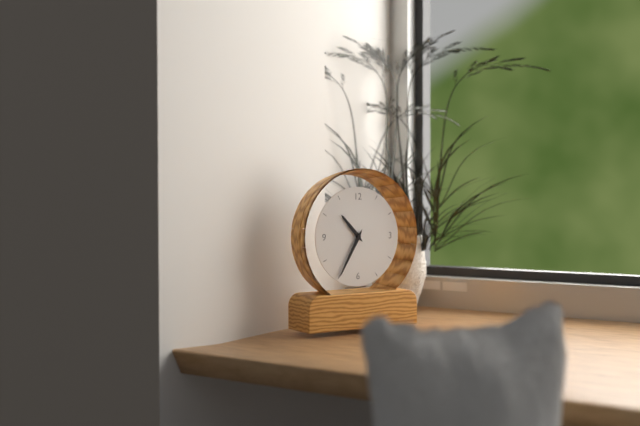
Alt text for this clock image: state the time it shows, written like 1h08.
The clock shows 10h35
